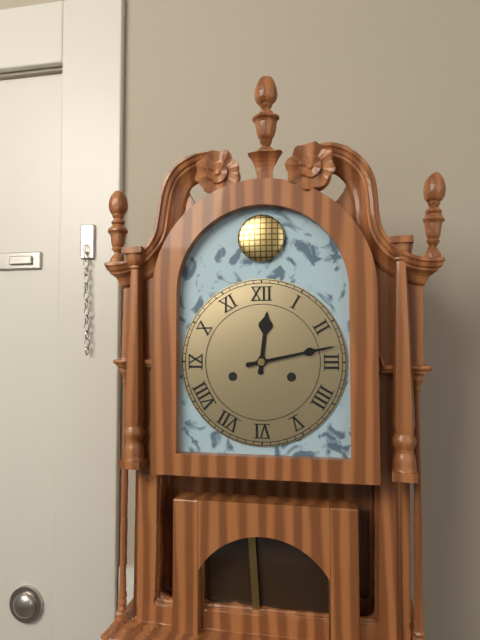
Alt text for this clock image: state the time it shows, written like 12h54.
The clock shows 12h13
